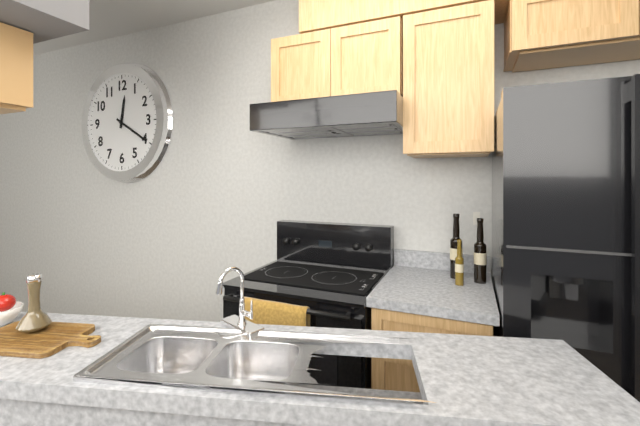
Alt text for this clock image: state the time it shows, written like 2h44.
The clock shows 12h20
